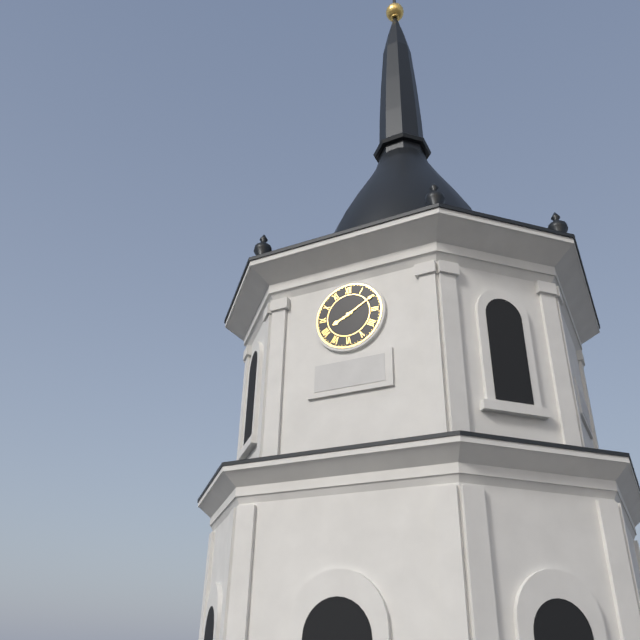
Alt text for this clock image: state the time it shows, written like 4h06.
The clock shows 8h10
